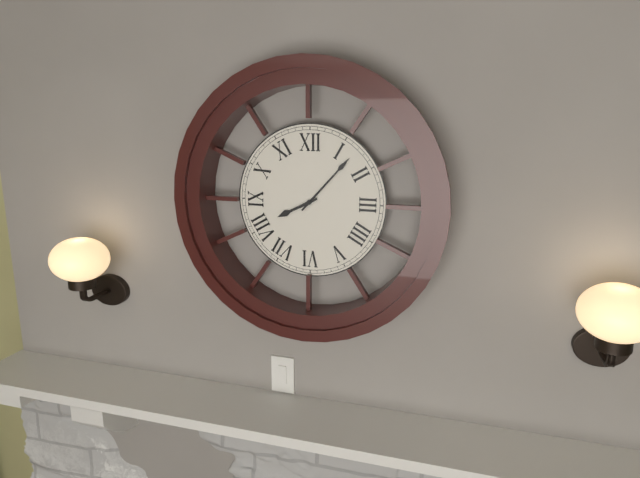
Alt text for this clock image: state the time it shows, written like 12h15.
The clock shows 8h07
